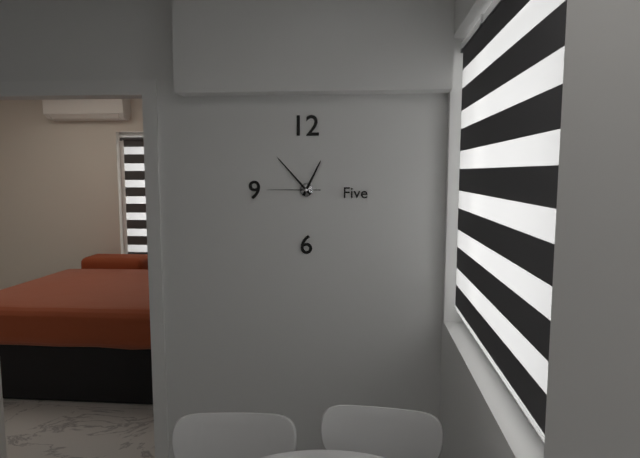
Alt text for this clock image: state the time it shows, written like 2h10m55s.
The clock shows 12h53m45s
